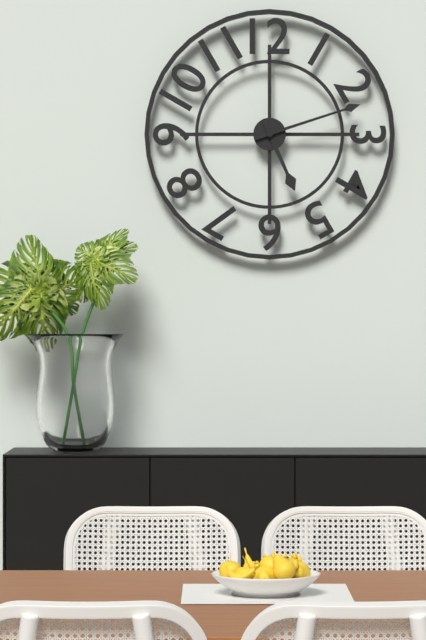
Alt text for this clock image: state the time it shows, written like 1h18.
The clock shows 5h12
